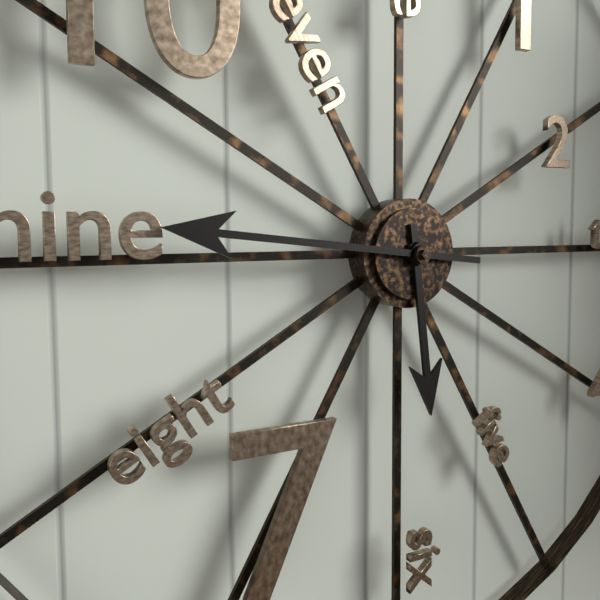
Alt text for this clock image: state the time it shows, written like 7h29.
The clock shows 5h46
